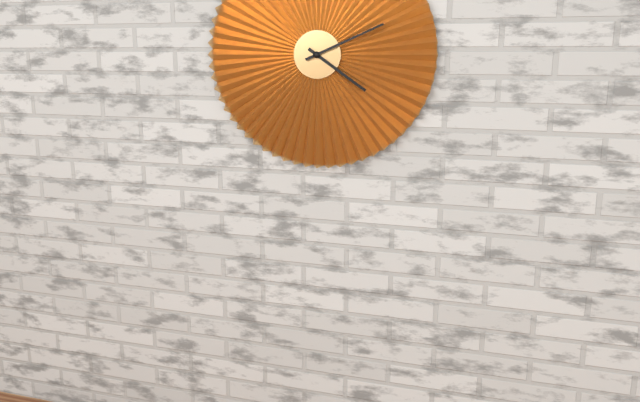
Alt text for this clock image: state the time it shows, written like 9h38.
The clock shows 4h11
